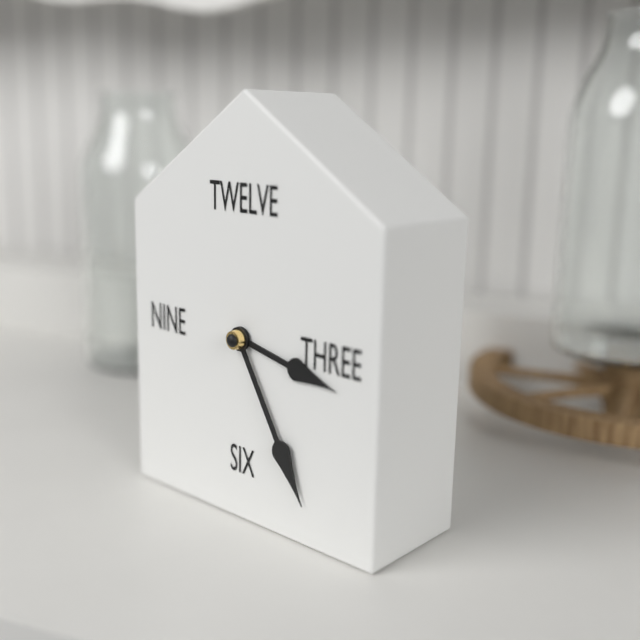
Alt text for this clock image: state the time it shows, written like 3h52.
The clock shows 3h25
